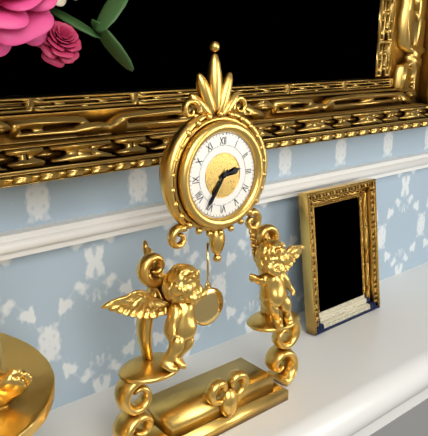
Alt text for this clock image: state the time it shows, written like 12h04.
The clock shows 2h36
